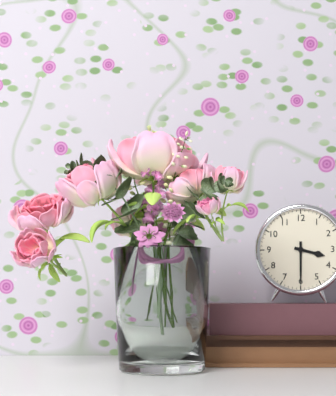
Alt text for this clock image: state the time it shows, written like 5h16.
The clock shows 3h30
